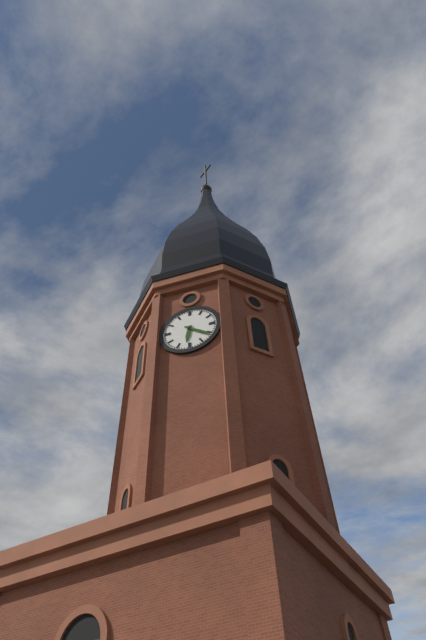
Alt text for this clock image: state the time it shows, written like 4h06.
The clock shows 6h21
